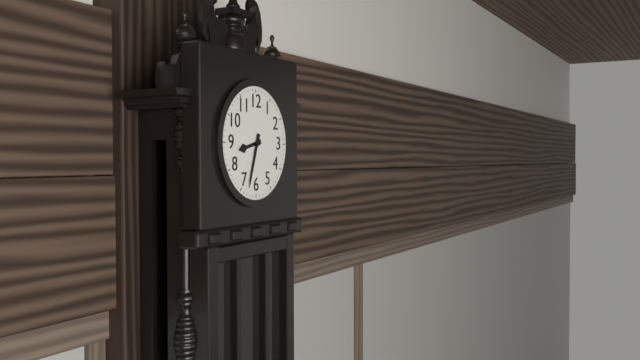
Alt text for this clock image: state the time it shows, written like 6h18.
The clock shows 8h33
